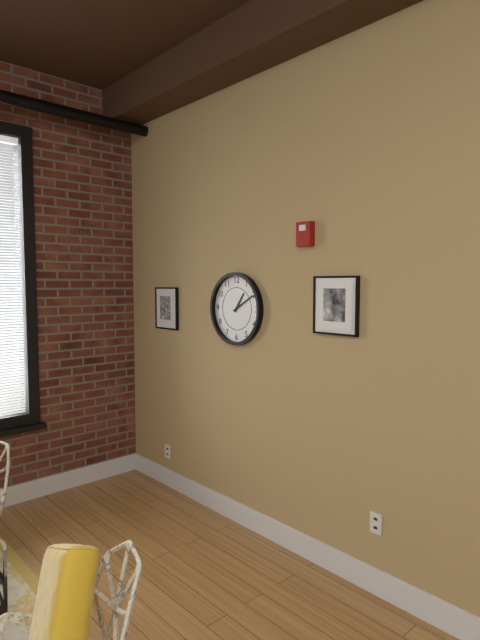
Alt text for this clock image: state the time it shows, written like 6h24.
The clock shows 1h10
